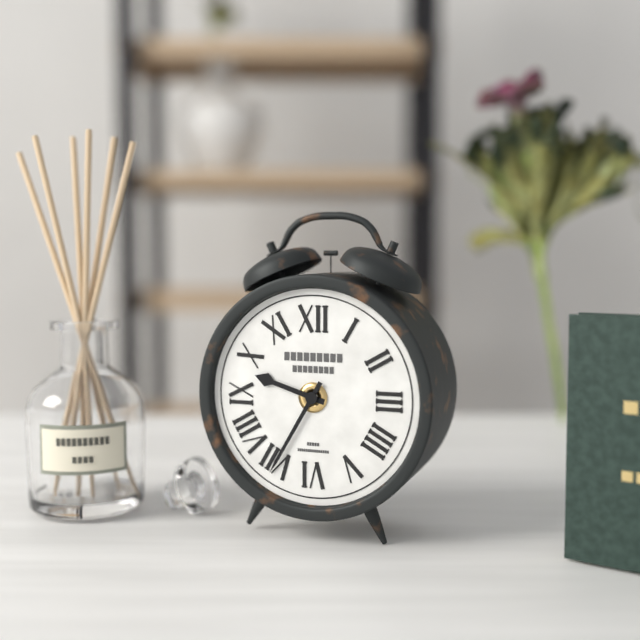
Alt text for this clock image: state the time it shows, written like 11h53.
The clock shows 9h35
